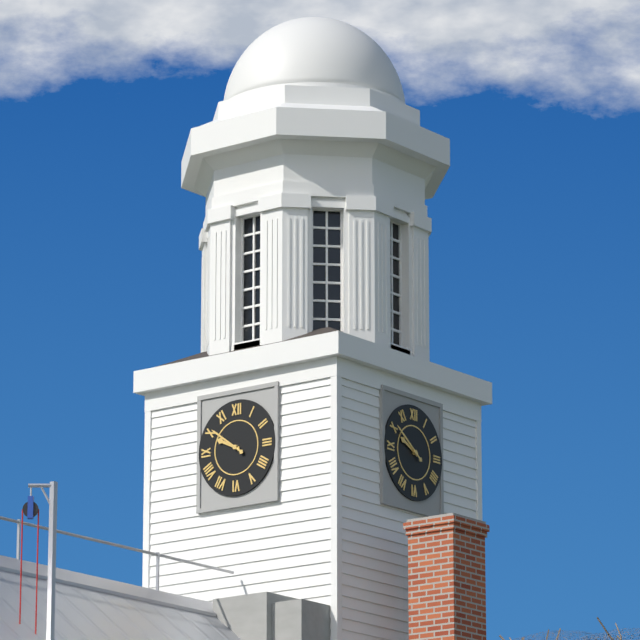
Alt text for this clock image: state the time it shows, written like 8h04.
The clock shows 9h51
